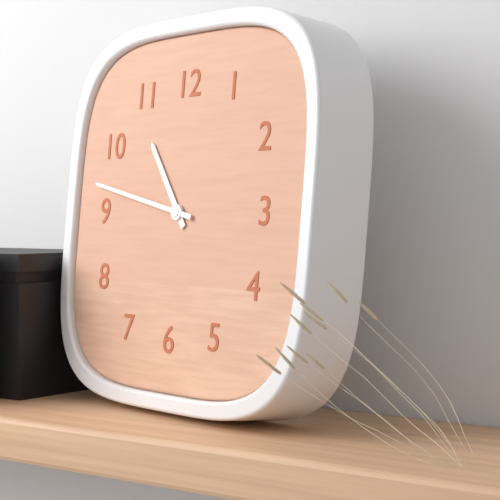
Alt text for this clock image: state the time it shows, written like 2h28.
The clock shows 10h47
